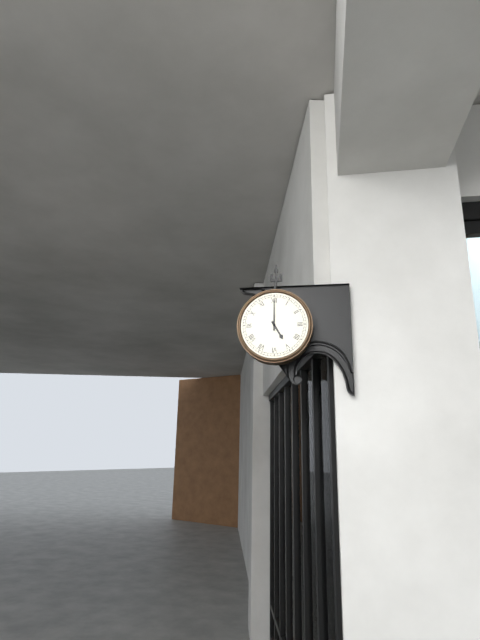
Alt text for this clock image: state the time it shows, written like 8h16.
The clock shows 5h00
